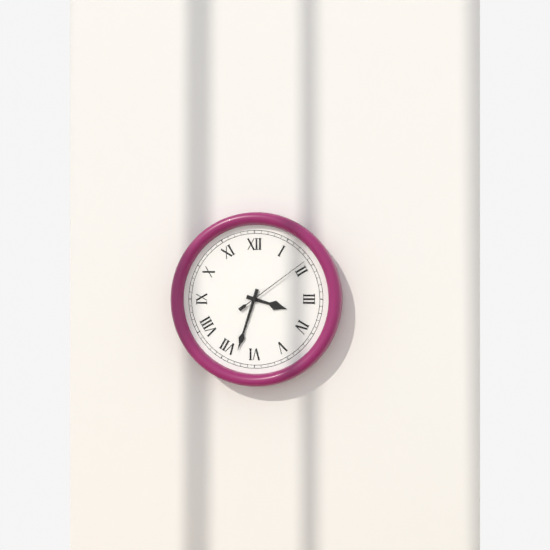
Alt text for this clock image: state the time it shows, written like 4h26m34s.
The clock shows 3h33m09s
